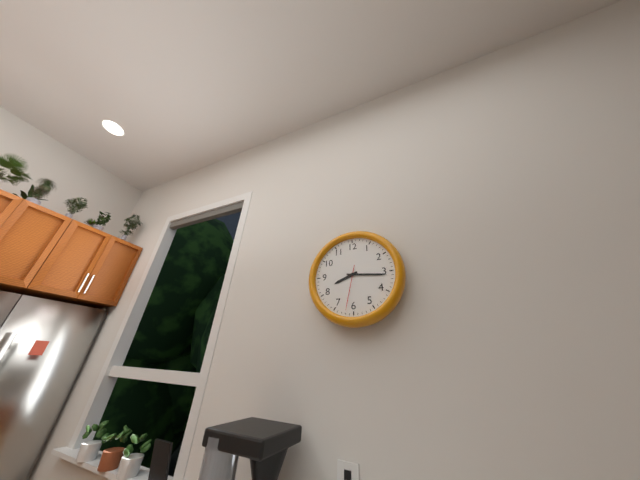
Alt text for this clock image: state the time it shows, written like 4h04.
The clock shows 8h16
